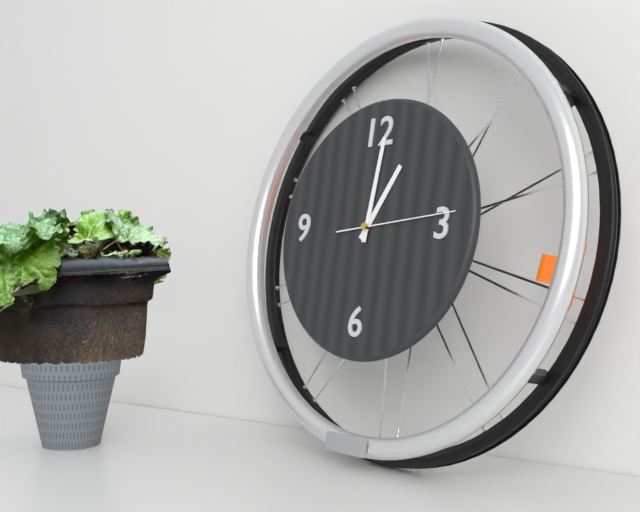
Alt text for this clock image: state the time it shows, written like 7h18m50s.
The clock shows 1h01m14s
